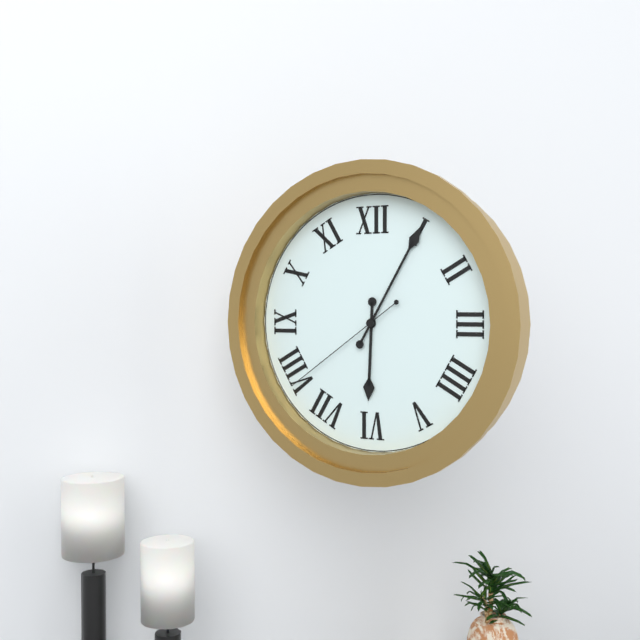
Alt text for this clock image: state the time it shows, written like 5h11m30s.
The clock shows 6h05m39s
